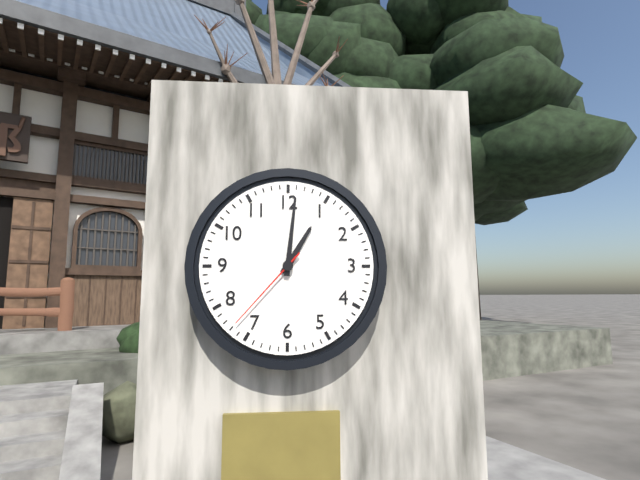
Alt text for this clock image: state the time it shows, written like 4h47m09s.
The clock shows 1h01m37s
